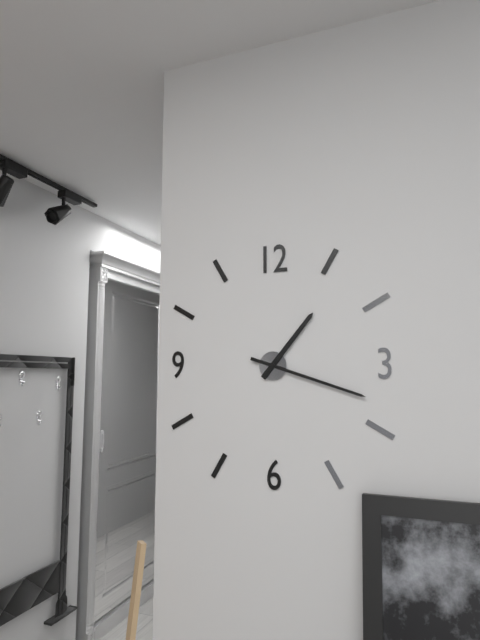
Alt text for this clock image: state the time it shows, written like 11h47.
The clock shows 1h18
